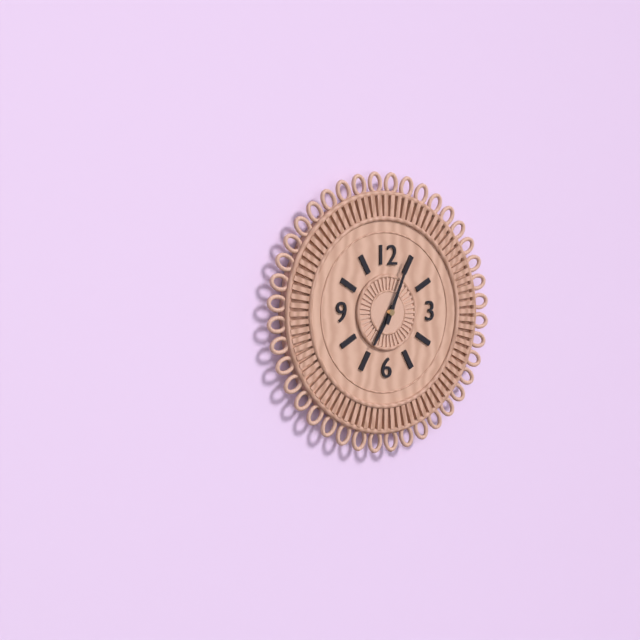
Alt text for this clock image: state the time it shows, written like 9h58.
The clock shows 7h04
